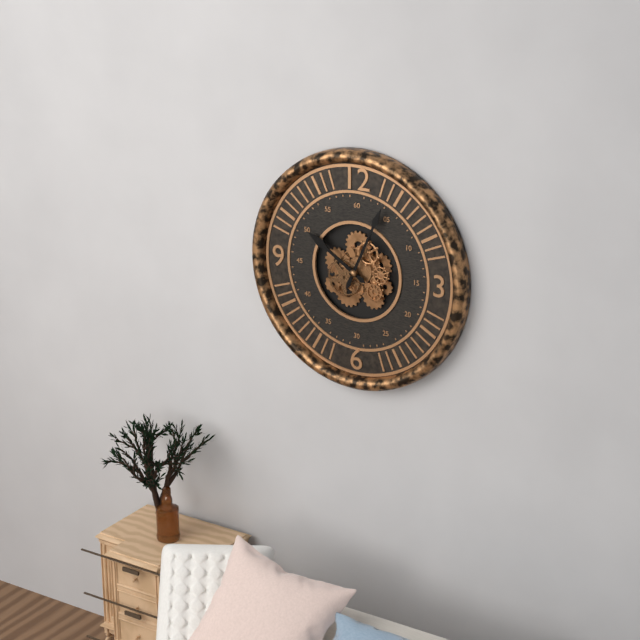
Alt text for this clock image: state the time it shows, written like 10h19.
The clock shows 10h04
